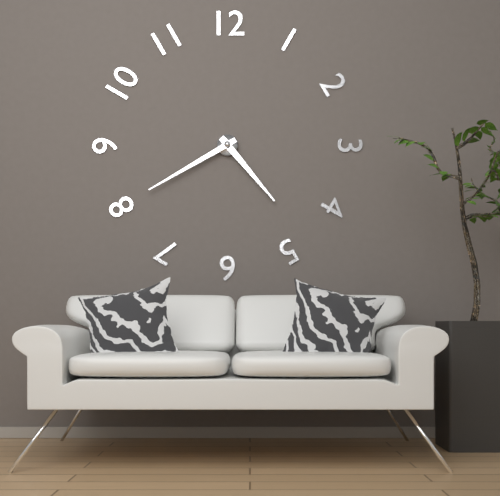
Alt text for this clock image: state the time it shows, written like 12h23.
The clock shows 4h40
